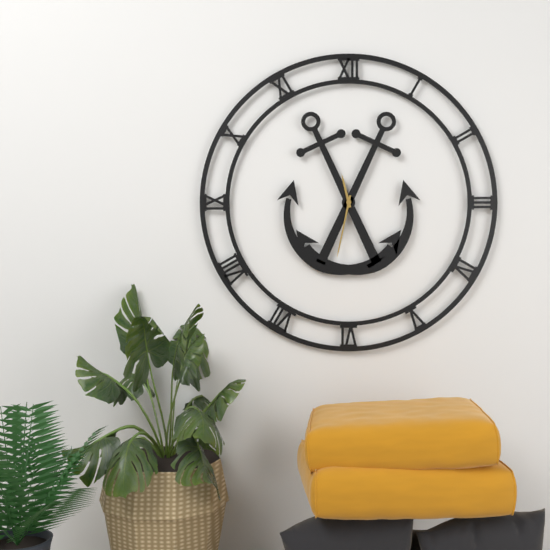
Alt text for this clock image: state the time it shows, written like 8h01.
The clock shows 11h32
